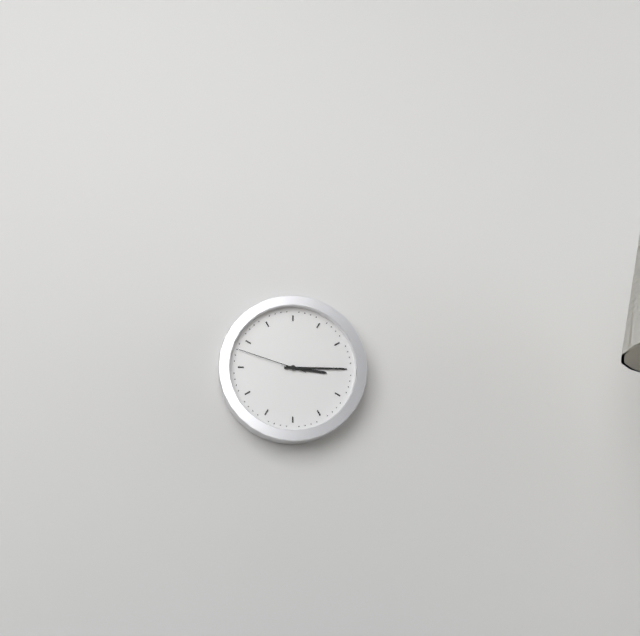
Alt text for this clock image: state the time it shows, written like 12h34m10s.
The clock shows 3h15m48s
